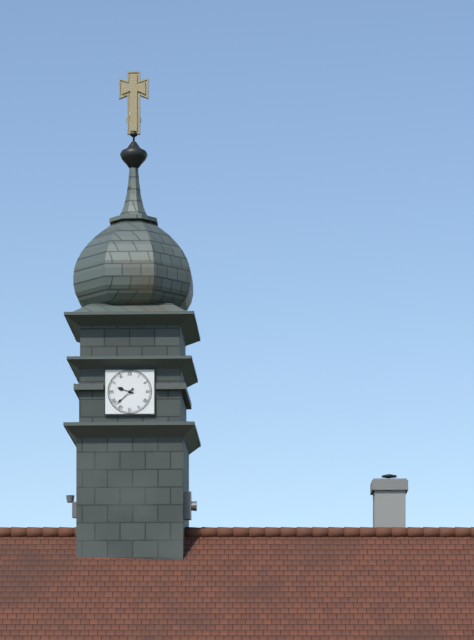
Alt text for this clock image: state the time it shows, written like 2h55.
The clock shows 9h38
